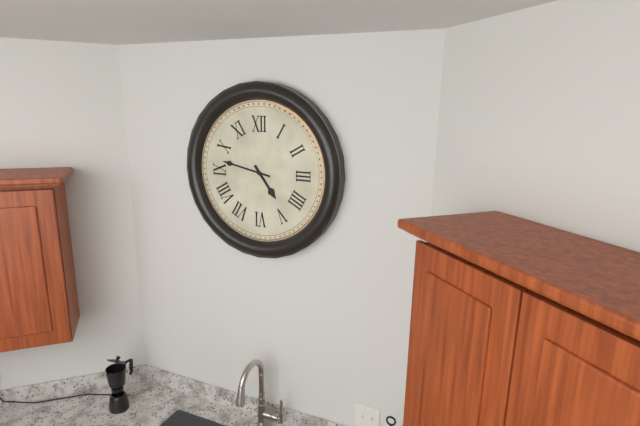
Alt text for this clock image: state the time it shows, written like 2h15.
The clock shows 4h47
